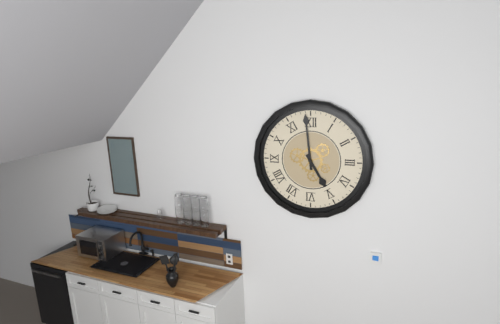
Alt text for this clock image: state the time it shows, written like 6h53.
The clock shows 4h59
